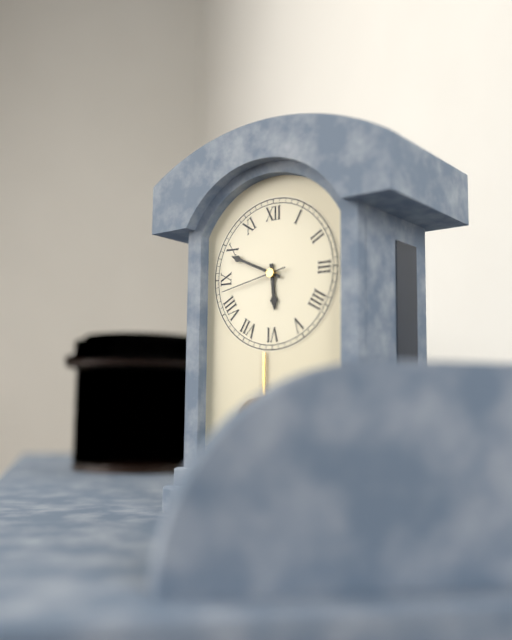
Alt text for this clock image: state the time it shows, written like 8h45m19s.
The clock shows 5h49m43s
